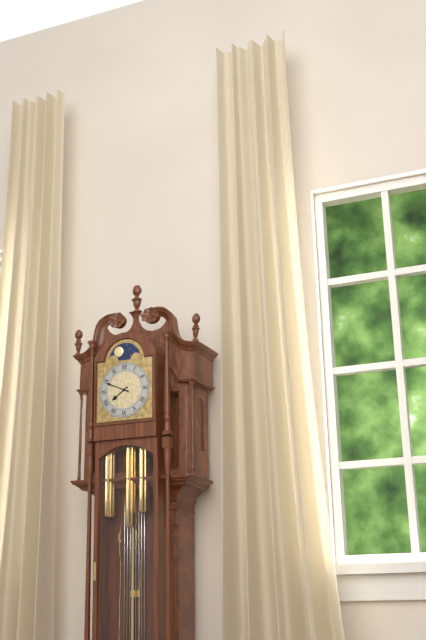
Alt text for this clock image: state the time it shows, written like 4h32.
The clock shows 7h49
